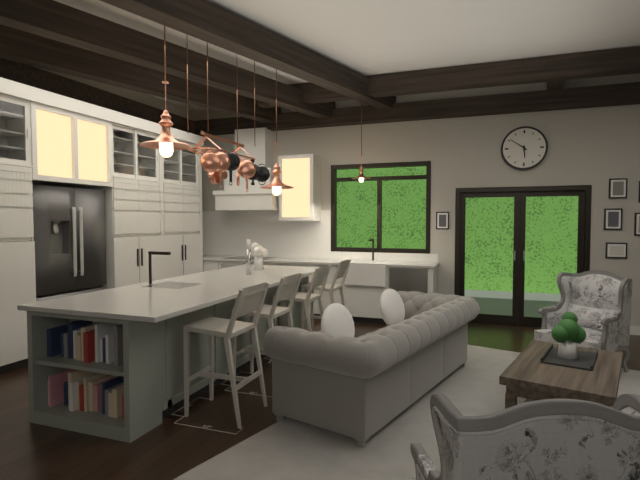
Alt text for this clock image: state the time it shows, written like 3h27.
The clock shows 5h51
